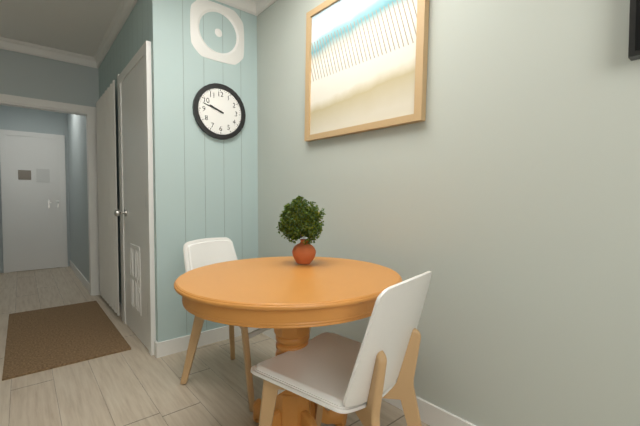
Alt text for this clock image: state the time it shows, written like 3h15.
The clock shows 9h48
